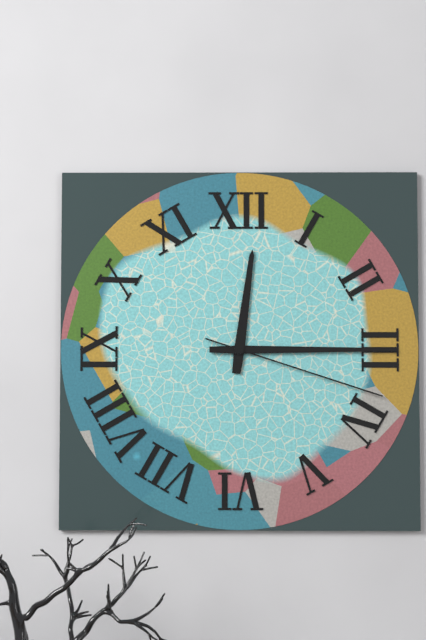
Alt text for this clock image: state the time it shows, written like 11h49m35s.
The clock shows 12h15m18s
